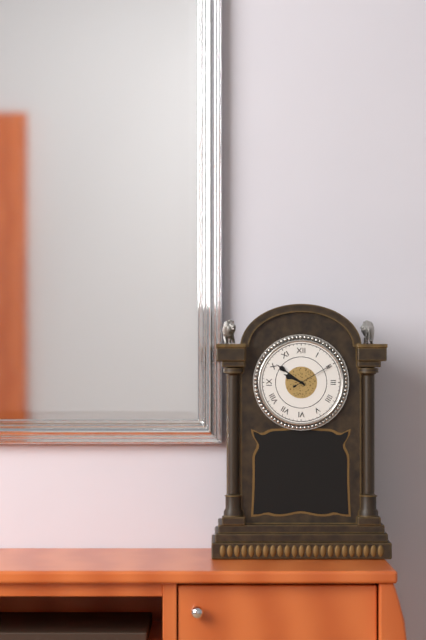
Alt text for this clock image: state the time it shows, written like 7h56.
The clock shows 9h51
